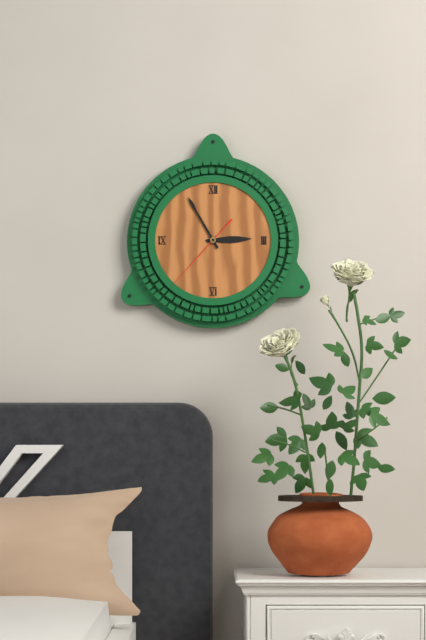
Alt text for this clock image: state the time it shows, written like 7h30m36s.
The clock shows 2h55m37s
